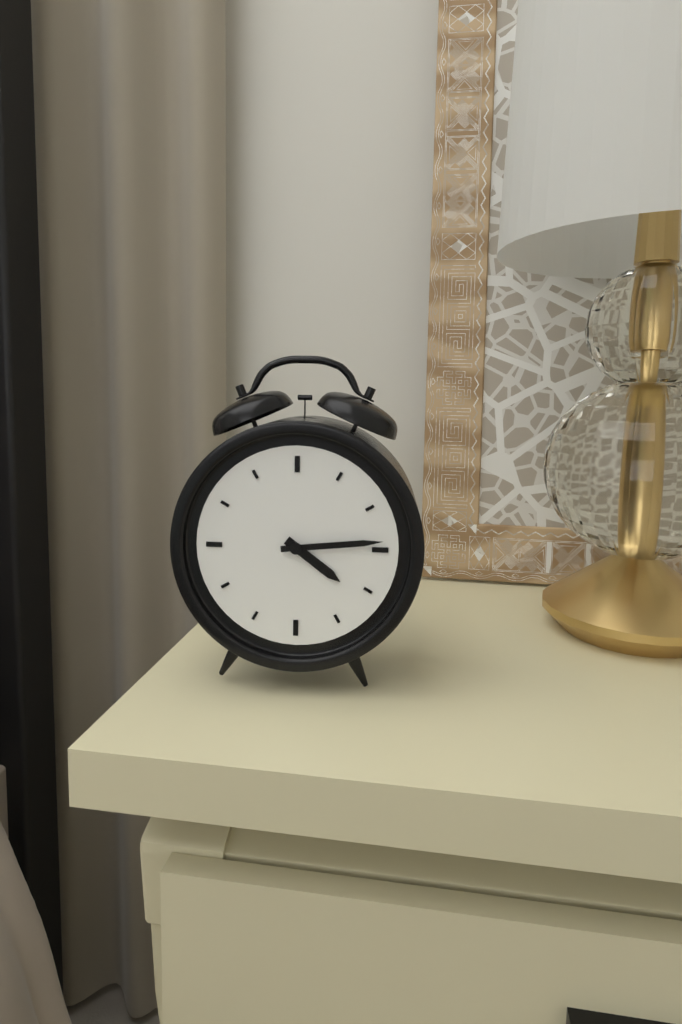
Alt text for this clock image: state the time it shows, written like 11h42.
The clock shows 4h14
